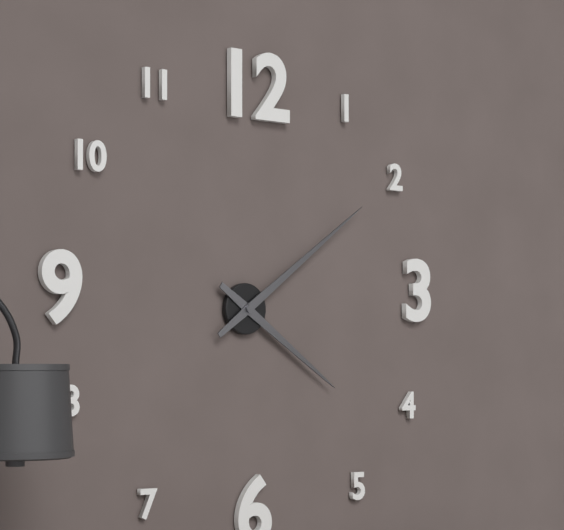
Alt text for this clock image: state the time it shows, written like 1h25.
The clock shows 4h09
